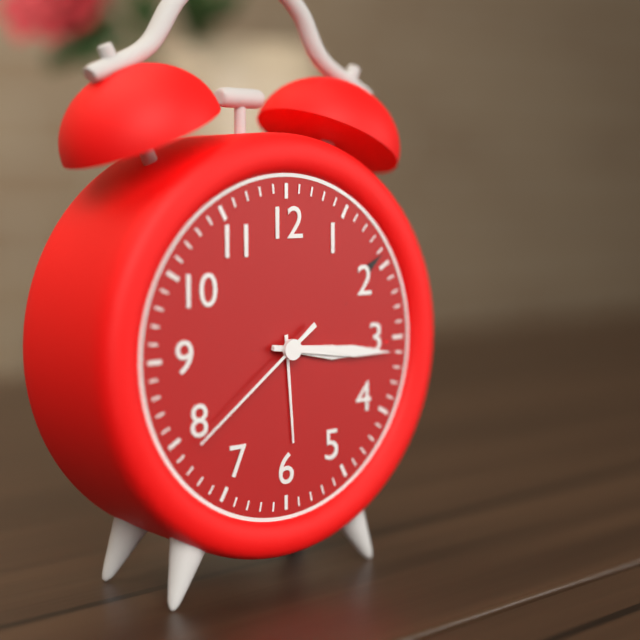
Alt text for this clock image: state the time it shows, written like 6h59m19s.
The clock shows 3h16m39s
